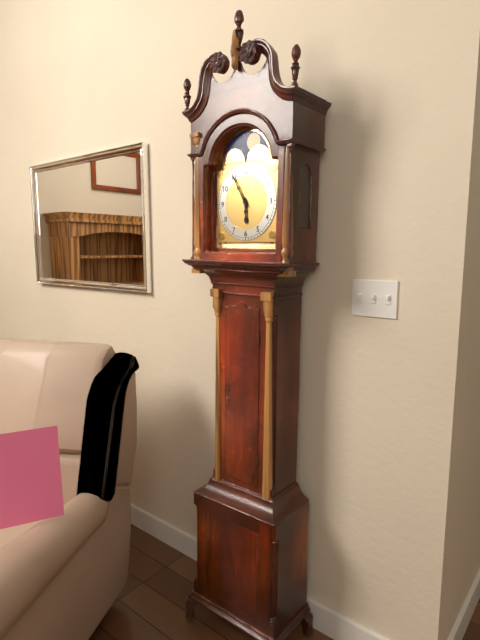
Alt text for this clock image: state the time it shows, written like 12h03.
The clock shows 5h55
